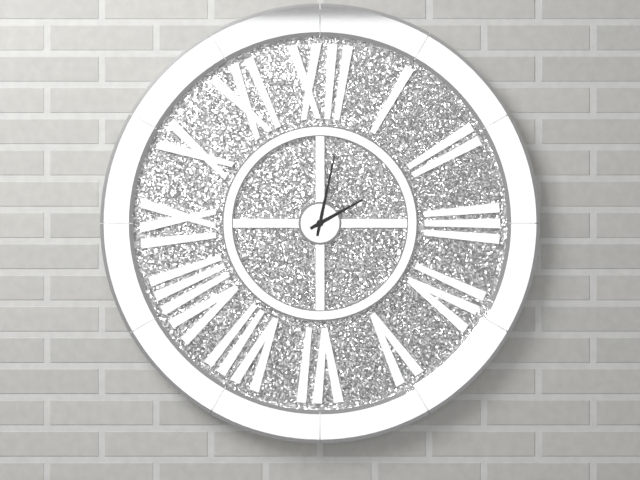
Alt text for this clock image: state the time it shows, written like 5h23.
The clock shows 2h02
